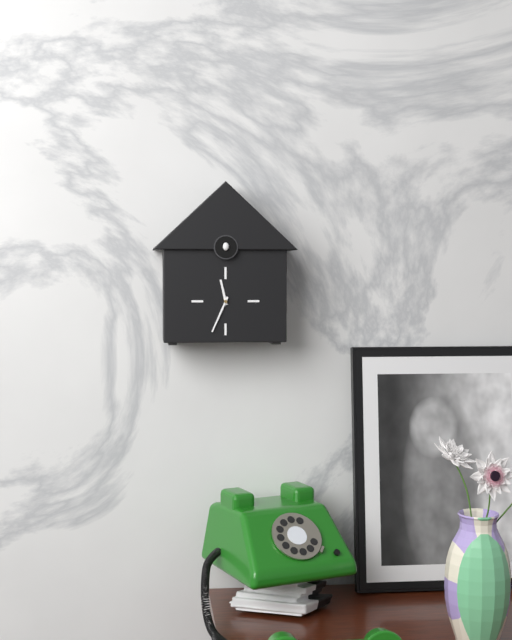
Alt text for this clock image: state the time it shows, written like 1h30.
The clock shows 11h34
